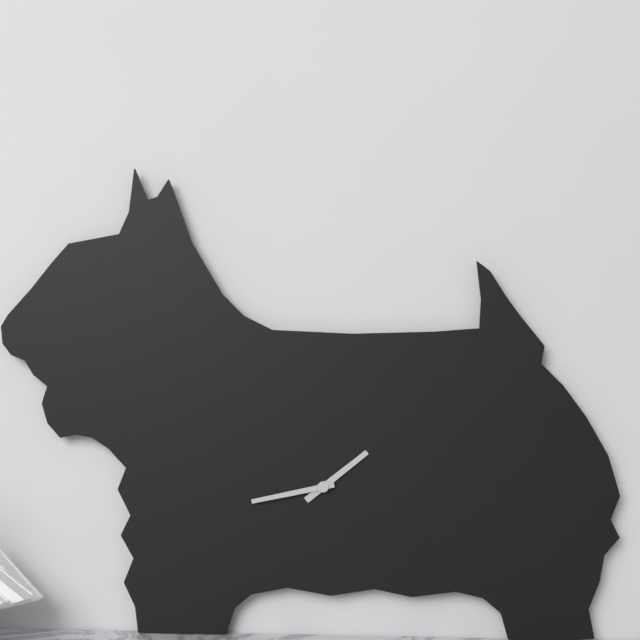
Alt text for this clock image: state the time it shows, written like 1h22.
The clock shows 1h43
